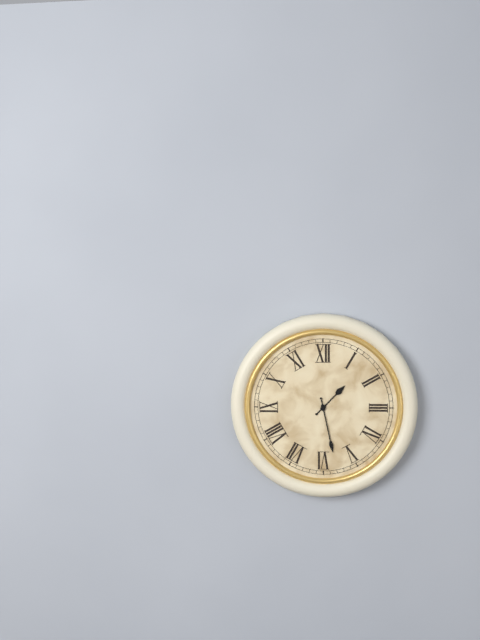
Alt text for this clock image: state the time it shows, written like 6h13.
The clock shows 1h28
